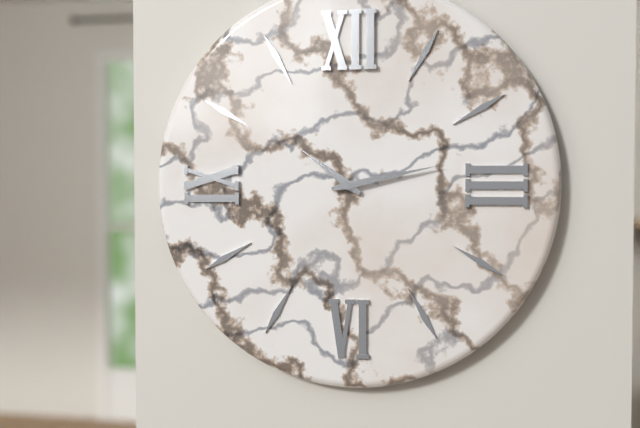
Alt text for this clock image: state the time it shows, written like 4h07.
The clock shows 10h13
